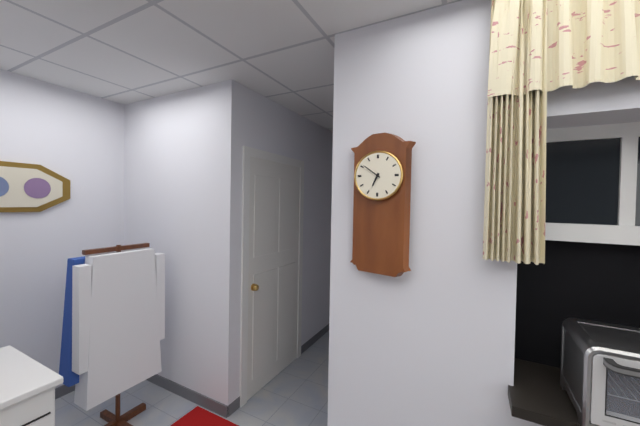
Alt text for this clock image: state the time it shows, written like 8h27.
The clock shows 6h51
